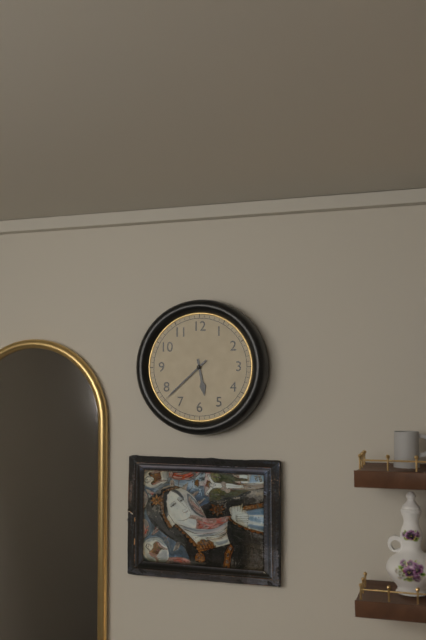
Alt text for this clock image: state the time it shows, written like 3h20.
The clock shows 5h38
